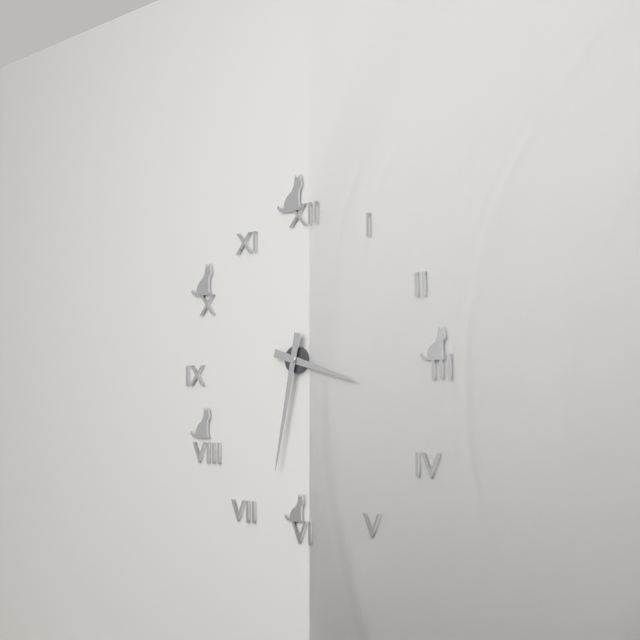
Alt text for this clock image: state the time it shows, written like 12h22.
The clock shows 3h32
